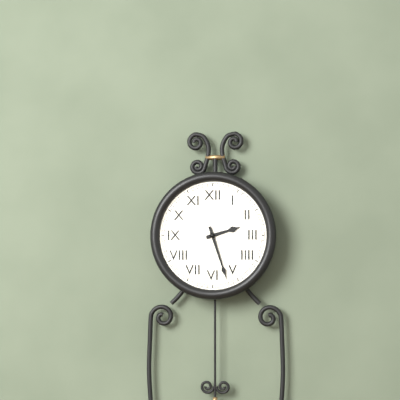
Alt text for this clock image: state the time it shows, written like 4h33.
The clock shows 2h27
